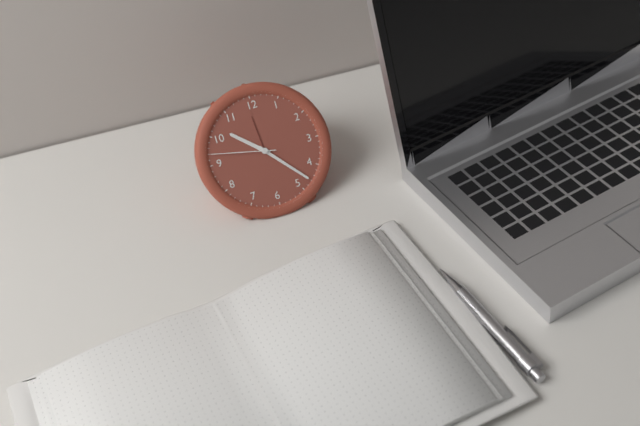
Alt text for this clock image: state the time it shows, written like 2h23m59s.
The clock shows 10h23m47s
